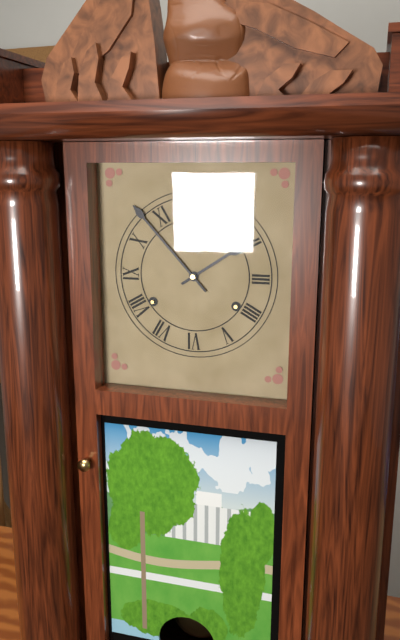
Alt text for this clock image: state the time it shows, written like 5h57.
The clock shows 1h53
